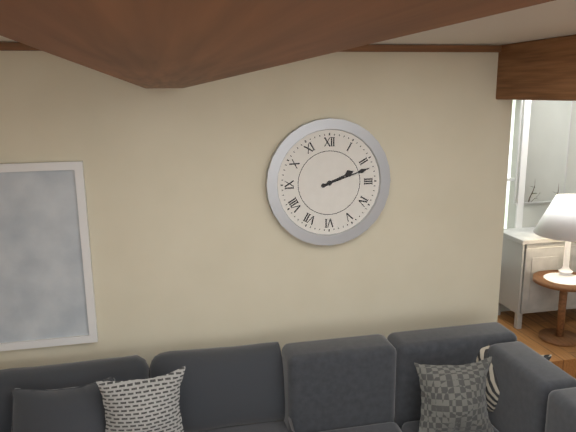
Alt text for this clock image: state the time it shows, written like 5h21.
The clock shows 2h12
